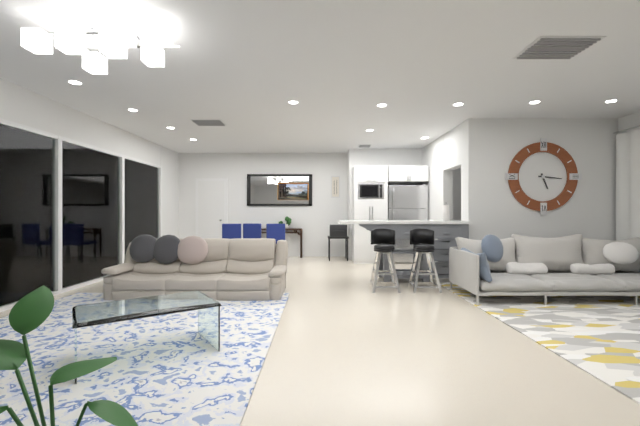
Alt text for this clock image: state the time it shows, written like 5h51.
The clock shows 5h16
